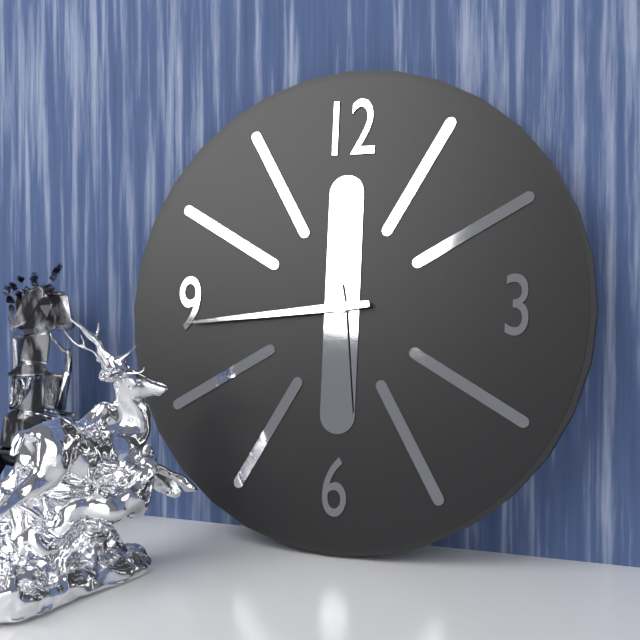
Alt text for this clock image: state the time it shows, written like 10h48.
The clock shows 5h44
